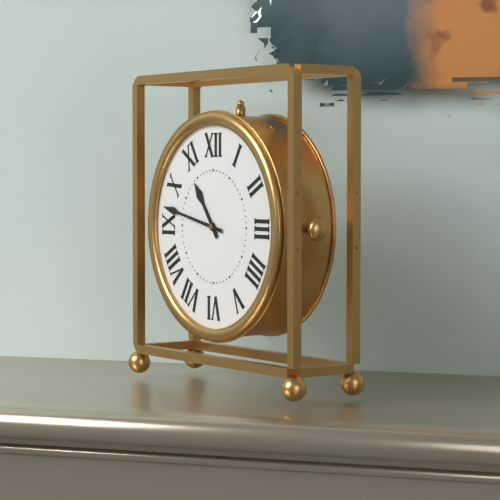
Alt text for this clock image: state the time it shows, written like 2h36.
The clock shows 10h47
